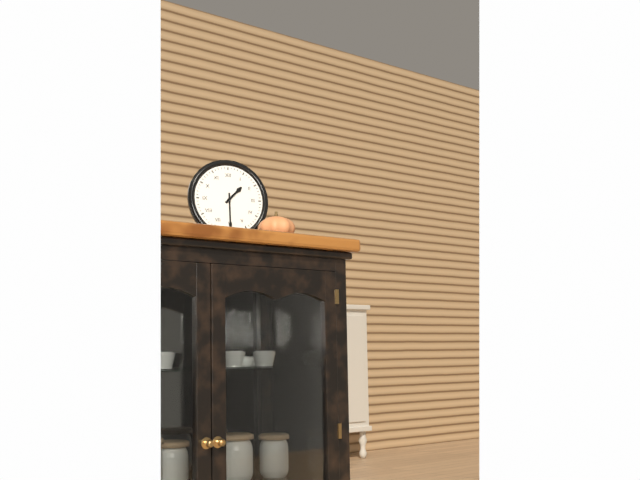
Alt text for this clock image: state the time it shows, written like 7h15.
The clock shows 1h30
